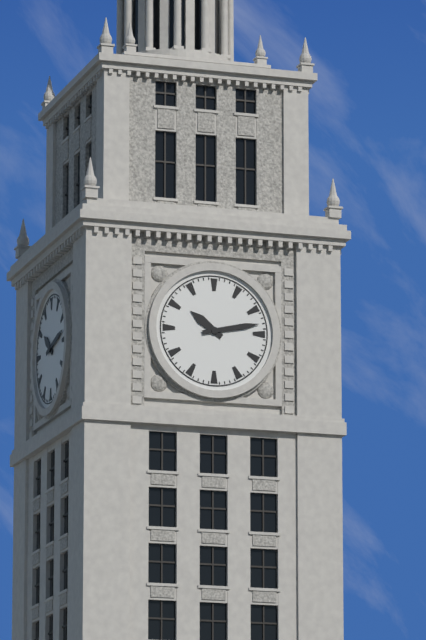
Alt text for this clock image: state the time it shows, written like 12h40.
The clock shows 10h13
